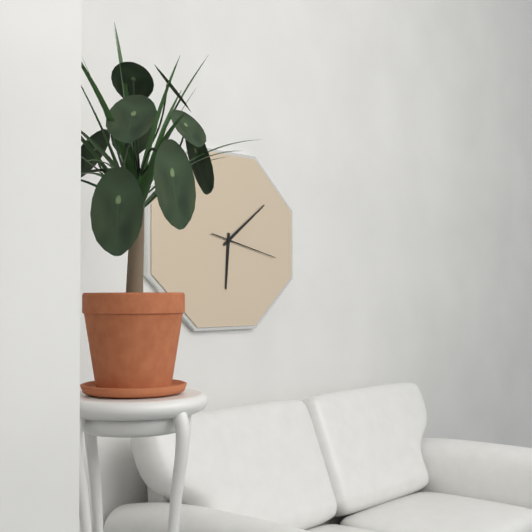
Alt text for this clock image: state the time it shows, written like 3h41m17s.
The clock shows 6h09m17s
